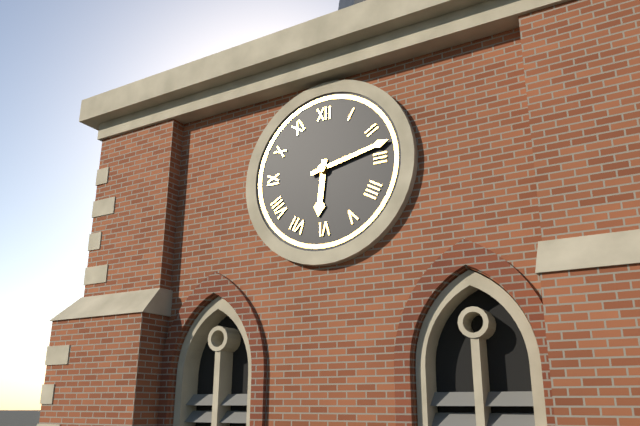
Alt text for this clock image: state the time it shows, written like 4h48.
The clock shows 6h13
